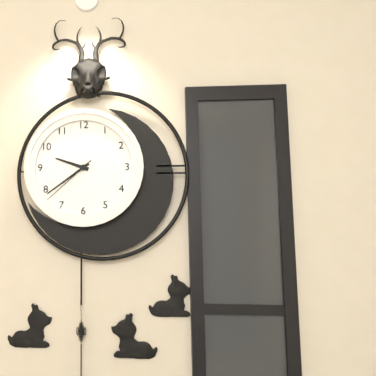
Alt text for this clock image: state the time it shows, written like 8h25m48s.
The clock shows 9h39m38s
